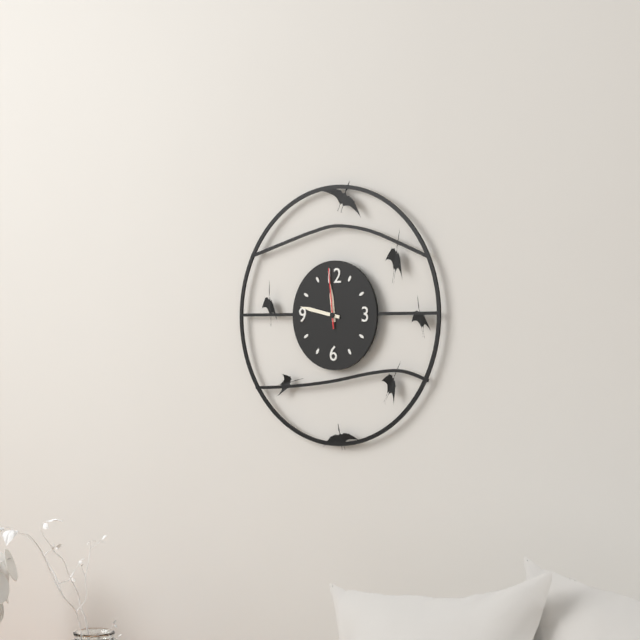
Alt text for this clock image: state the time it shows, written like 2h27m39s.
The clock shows 11h47m59s
